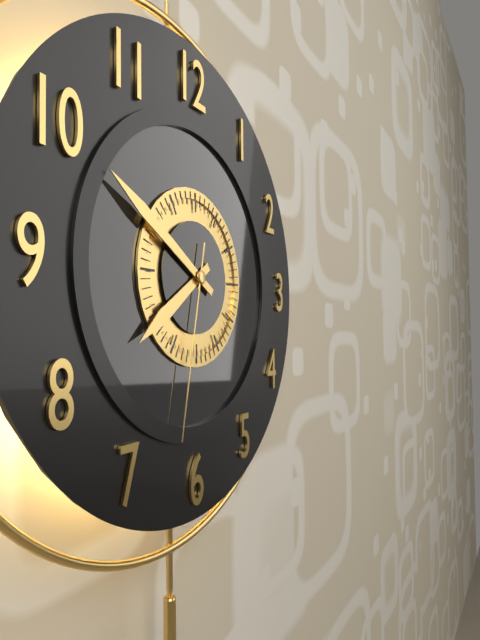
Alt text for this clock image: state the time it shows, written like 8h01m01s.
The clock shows 7h50m32s
